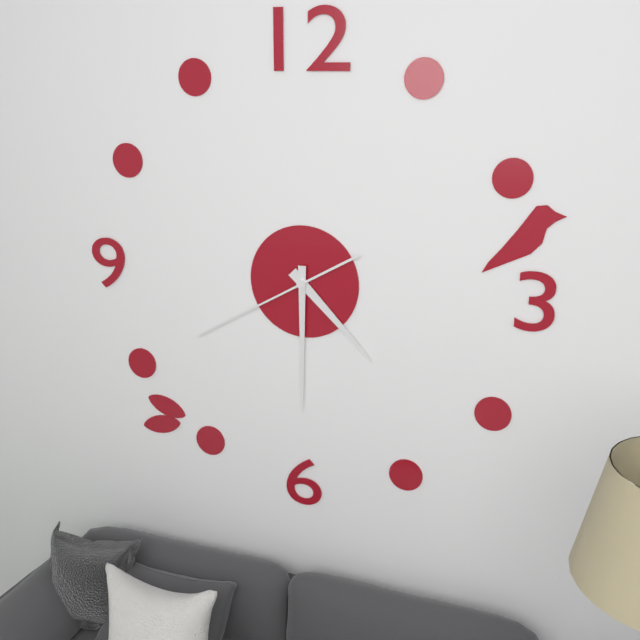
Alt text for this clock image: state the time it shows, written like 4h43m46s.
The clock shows 4h30m40s
